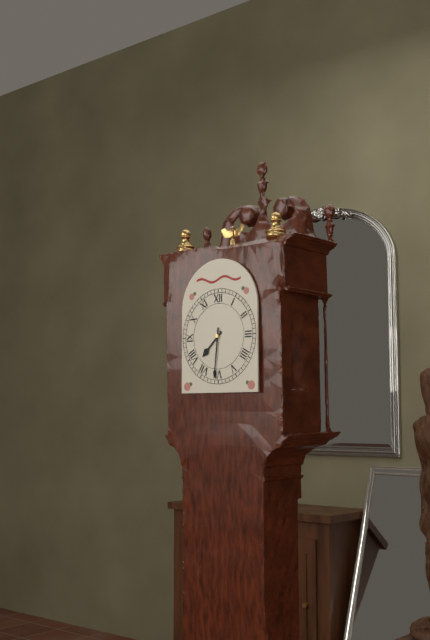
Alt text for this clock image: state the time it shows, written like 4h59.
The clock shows 7h31
